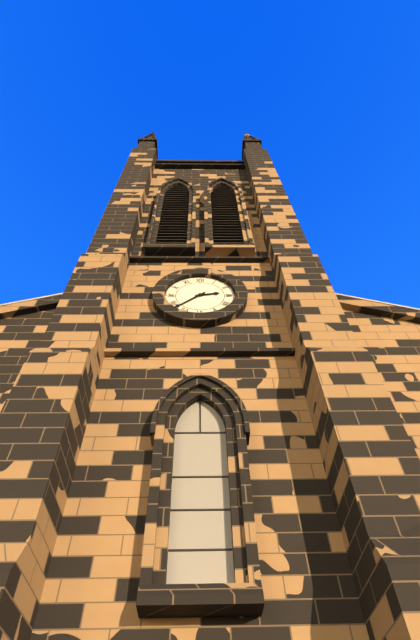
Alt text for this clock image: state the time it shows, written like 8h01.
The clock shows 2h38
